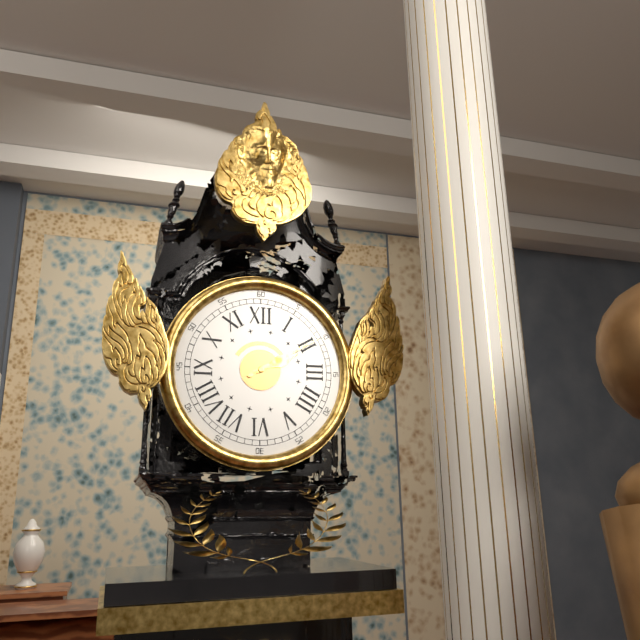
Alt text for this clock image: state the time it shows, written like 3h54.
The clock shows 2h10
